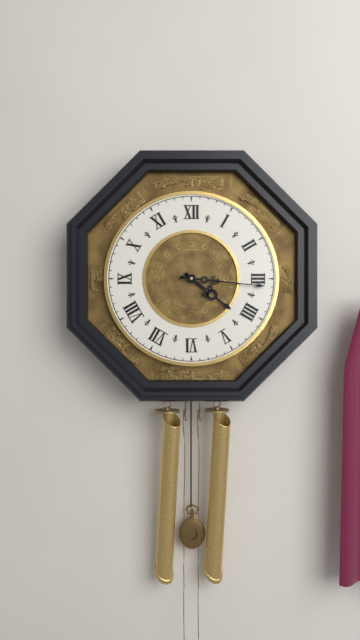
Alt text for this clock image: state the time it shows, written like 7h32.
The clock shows 4h16
